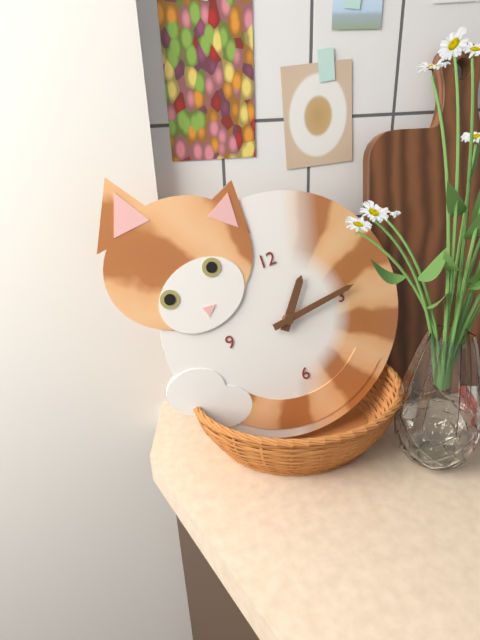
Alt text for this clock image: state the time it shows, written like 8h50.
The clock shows 1h14
